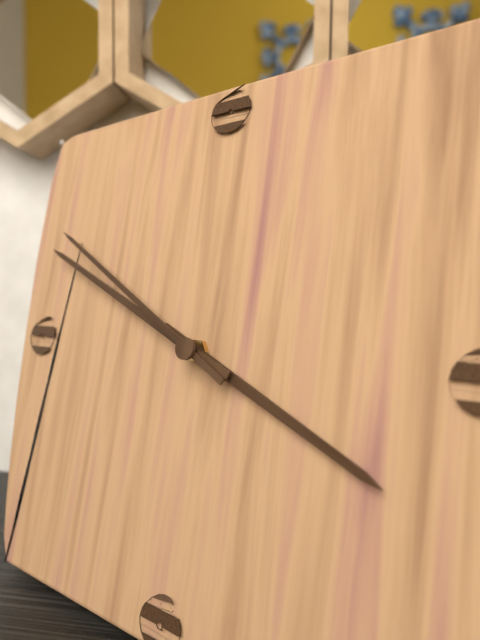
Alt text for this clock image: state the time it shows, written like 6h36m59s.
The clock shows 3h49m50s
